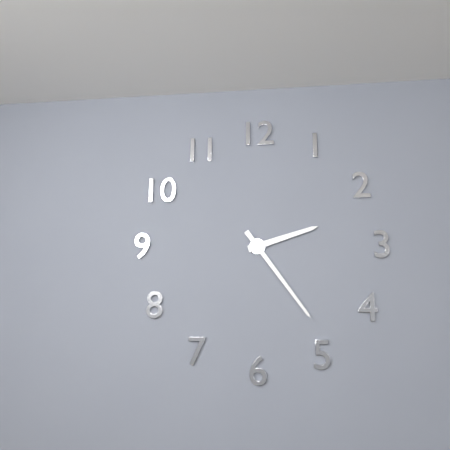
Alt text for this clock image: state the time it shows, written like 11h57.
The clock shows 2h24
